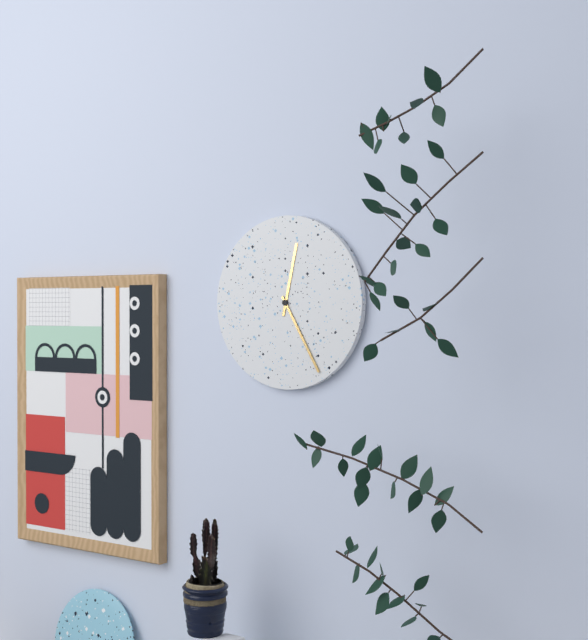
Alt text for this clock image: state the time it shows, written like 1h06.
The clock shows 12h25
